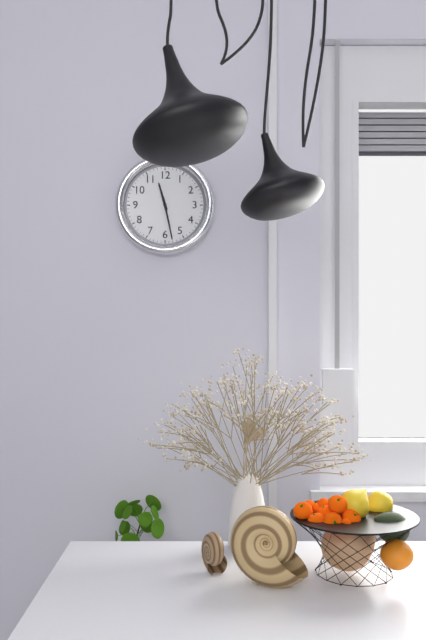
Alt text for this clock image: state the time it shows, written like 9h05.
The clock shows 11h28
